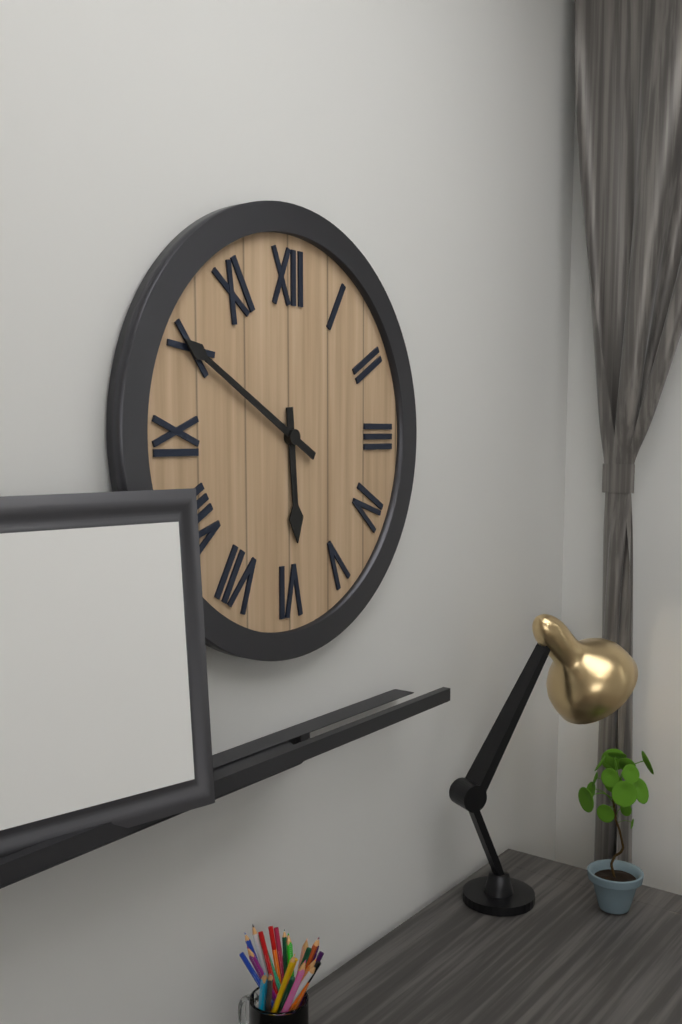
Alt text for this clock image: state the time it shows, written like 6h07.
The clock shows 5h50
